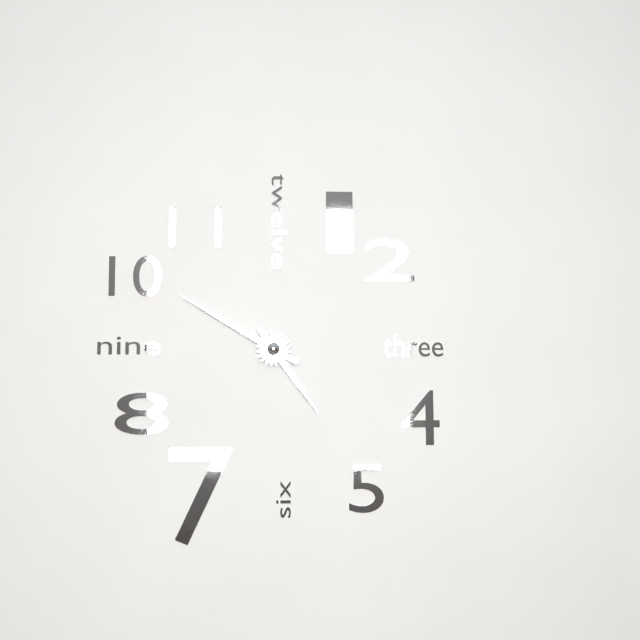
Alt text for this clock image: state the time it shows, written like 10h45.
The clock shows 4h50
